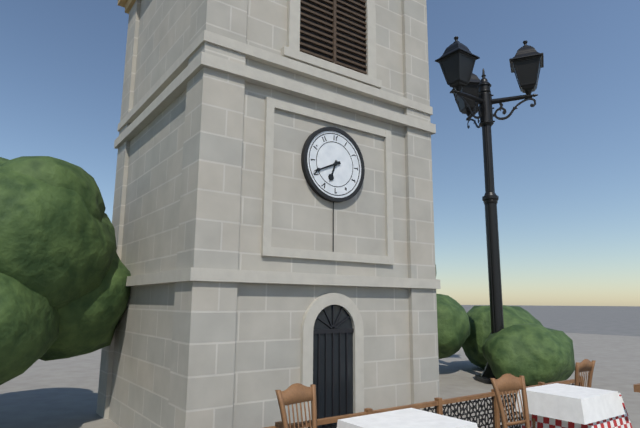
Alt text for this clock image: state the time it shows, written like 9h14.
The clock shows 6h41
